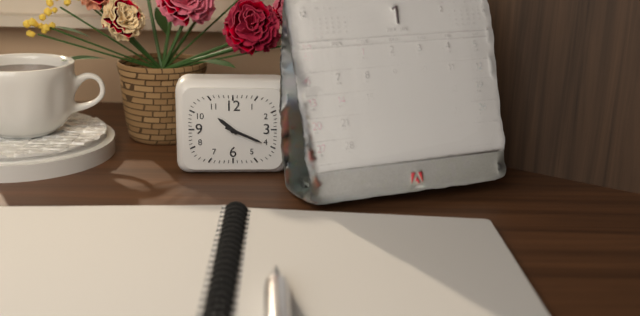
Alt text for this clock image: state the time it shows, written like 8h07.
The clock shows 10h19
